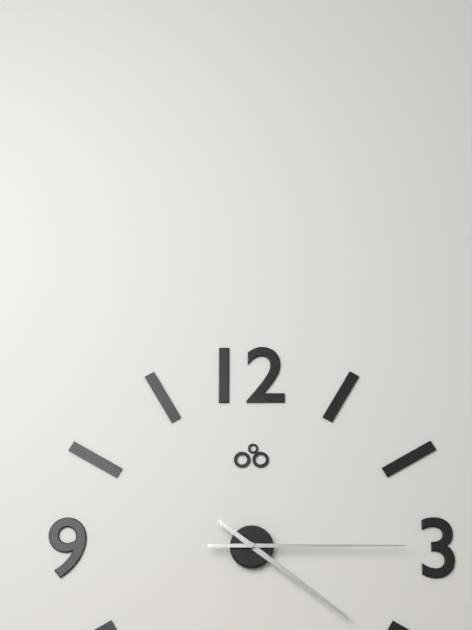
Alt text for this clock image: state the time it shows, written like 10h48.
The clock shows 4h15
